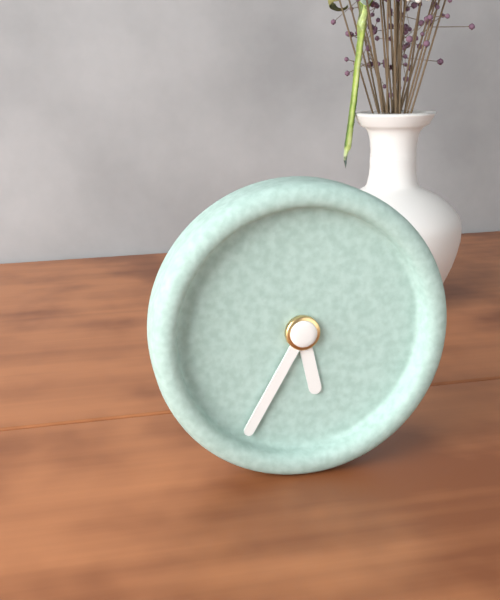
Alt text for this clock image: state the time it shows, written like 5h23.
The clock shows 5h35
